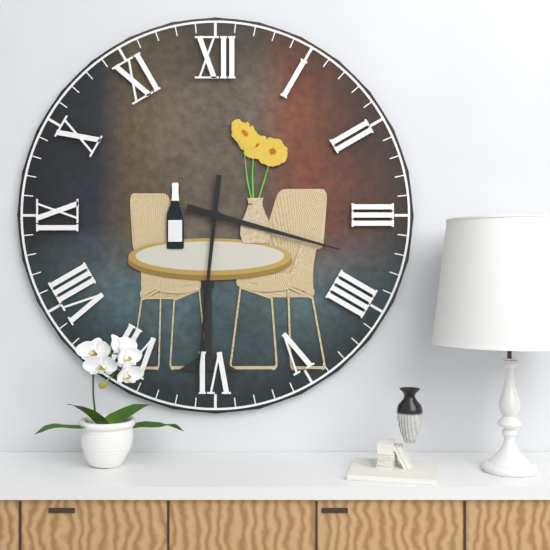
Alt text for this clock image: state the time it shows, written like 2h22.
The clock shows 3h31
